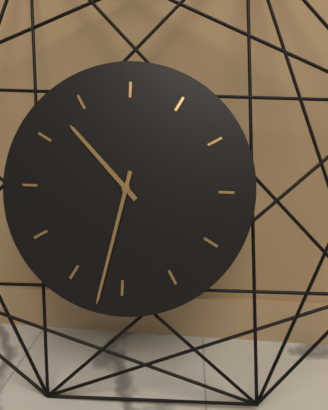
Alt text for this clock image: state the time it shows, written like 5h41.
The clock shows 10h32
